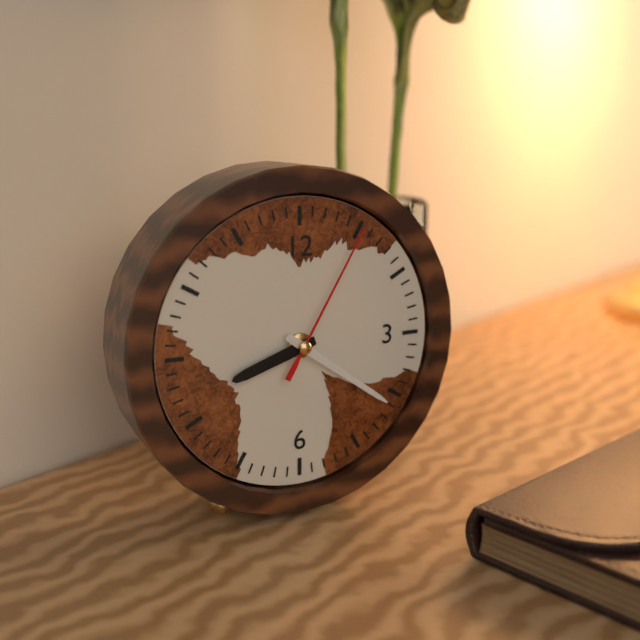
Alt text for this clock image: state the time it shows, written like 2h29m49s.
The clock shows 8h21m05s
